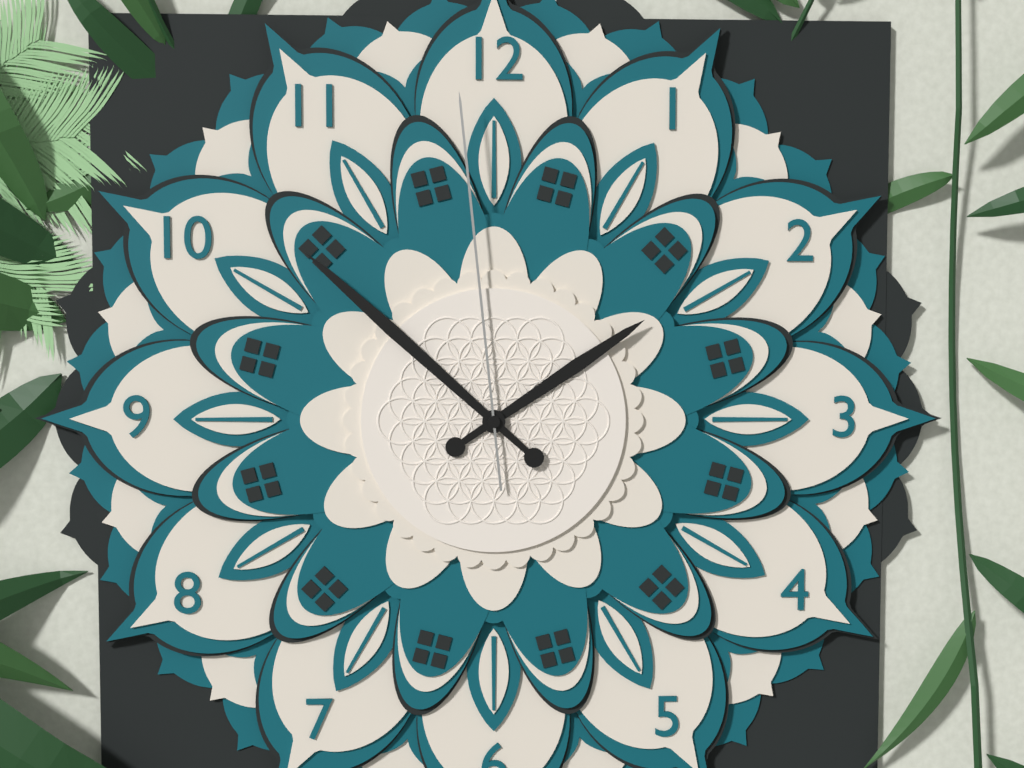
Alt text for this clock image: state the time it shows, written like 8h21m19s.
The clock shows 1h52m59s
